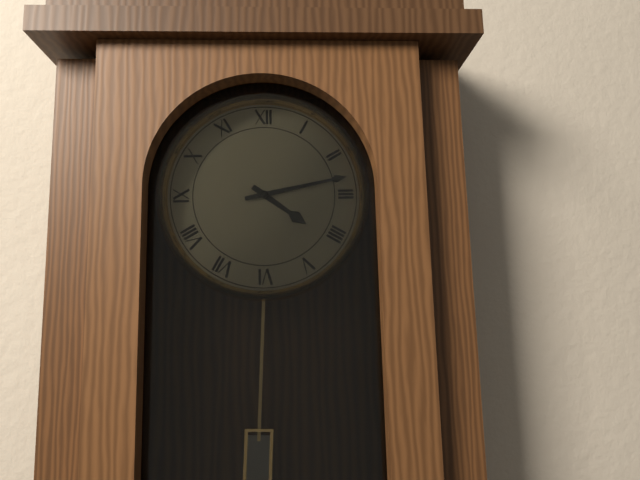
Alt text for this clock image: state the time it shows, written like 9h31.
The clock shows 4h13
